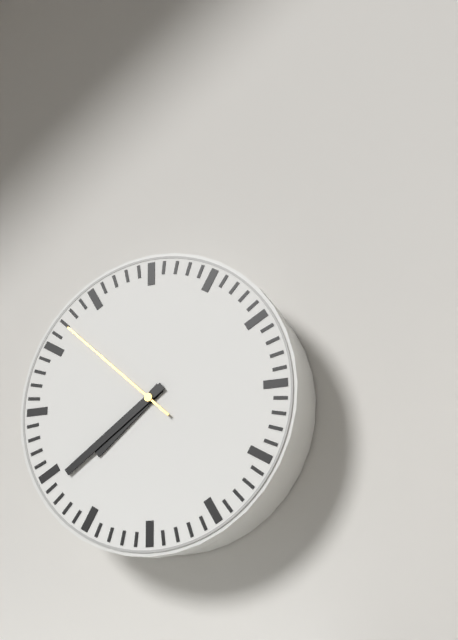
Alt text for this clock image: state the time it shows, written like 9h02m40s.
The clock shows 7h39m52s
